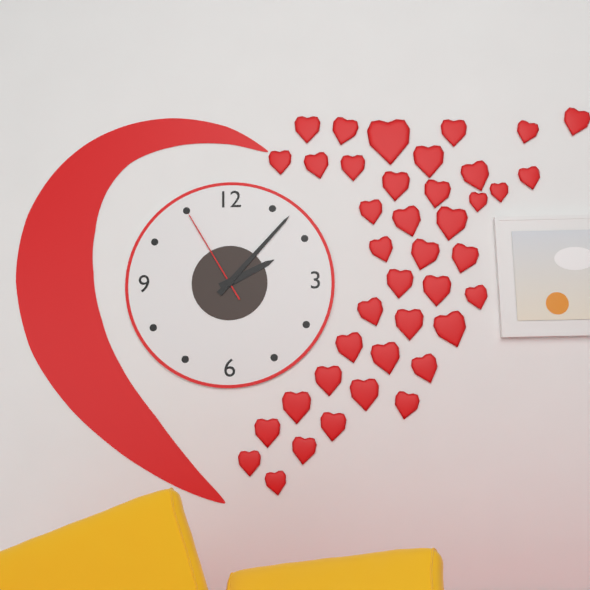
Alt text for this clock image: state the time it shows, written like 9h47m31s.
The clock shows 2h07m55s
